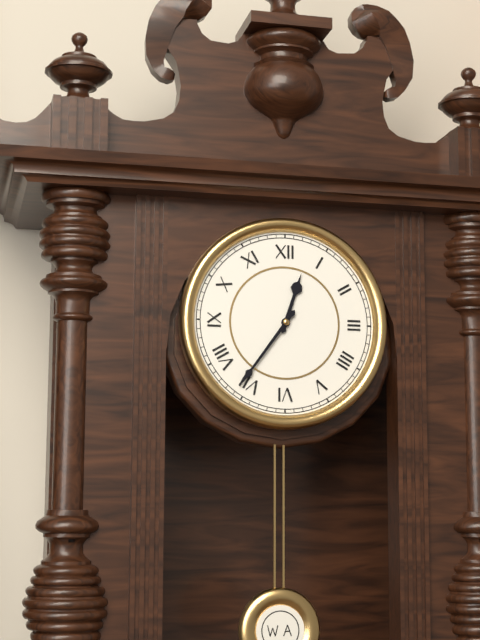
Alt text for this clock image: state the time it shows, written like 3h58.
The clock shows 12h36
